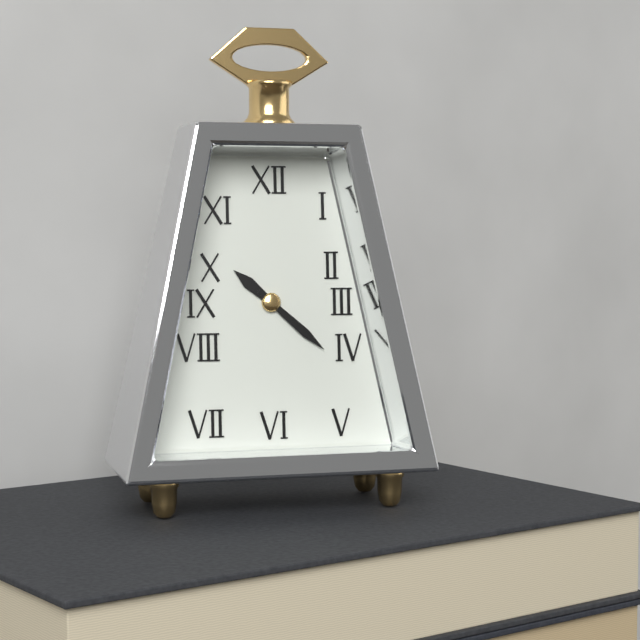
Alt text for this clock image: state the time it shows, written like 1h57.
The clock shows 10h22
